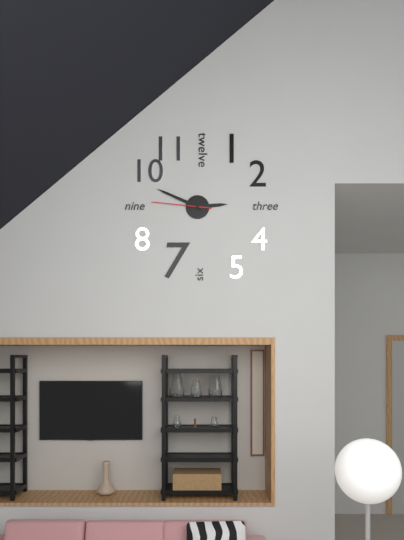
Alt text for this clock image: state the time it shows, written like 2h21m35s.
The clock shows 2h49m46s
